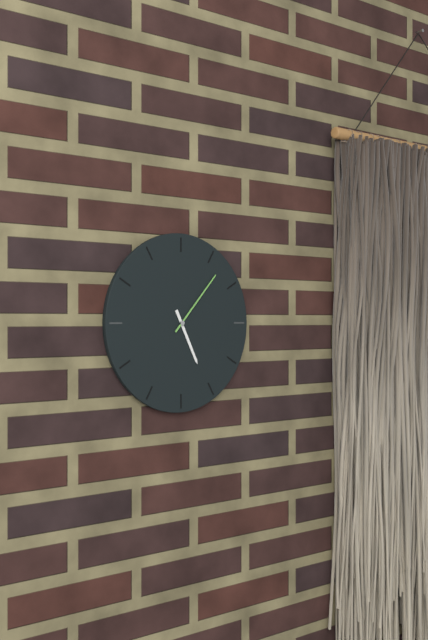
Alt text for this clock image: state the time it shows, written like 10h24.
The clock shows 5h07
